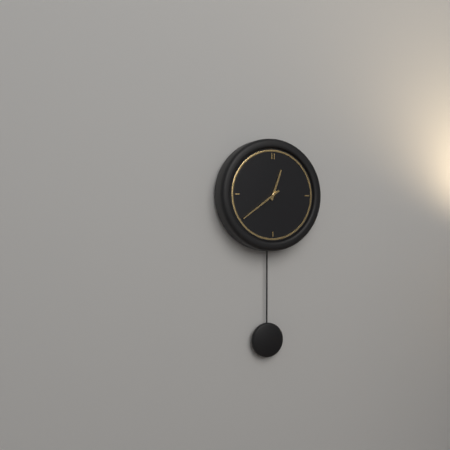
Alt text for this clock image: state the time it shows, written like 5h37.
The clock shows 12h39
